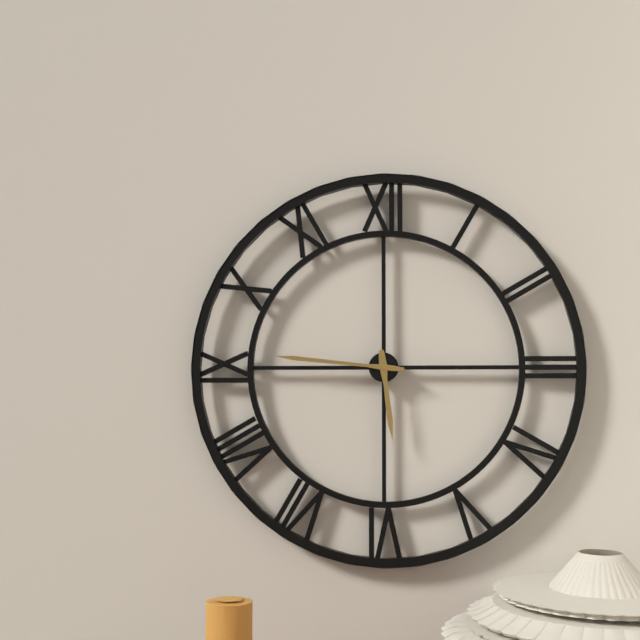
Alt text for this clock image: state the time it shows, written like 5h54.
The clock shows 5h46
